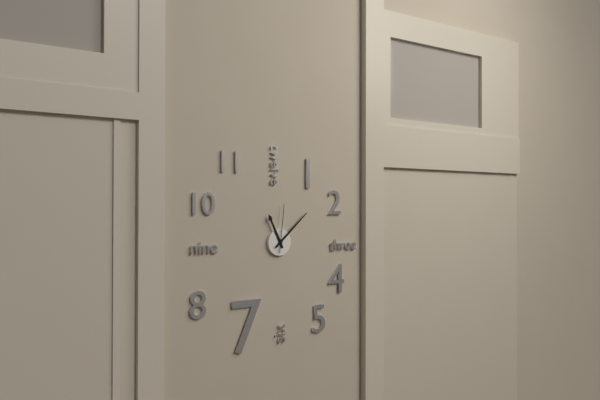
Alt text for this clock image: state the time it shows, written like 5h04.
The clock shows 11h08
